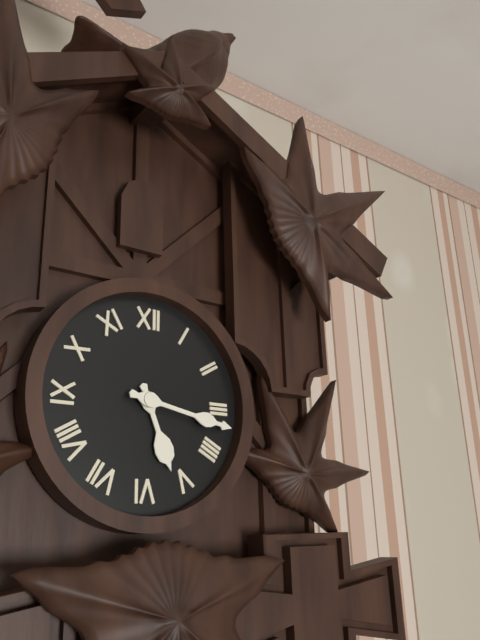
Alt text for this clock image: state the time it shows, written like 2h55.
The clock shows 5h17
